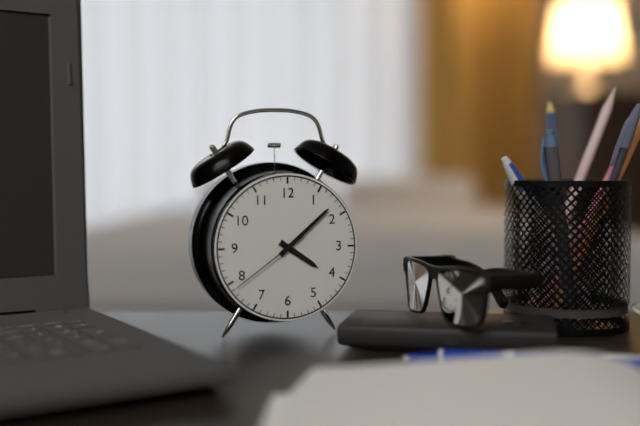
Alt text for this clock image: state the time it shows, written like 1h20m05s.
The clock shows 4h08m39s
